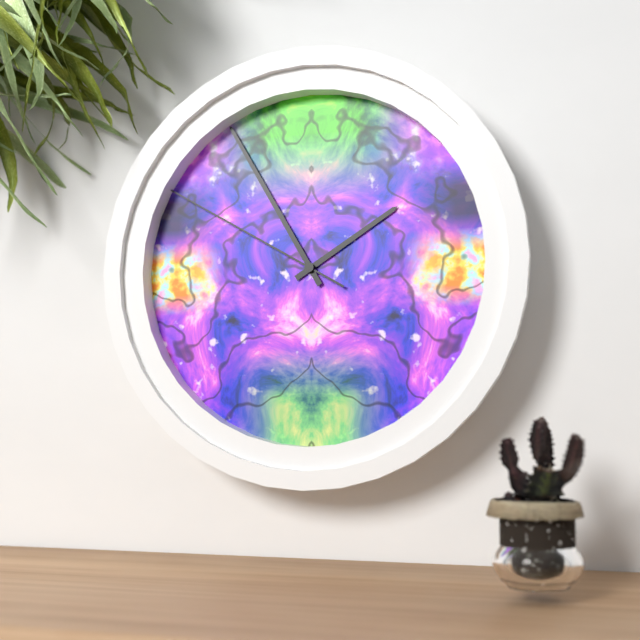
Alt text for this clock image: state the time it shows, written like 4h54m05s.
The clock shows 1h55m50s
